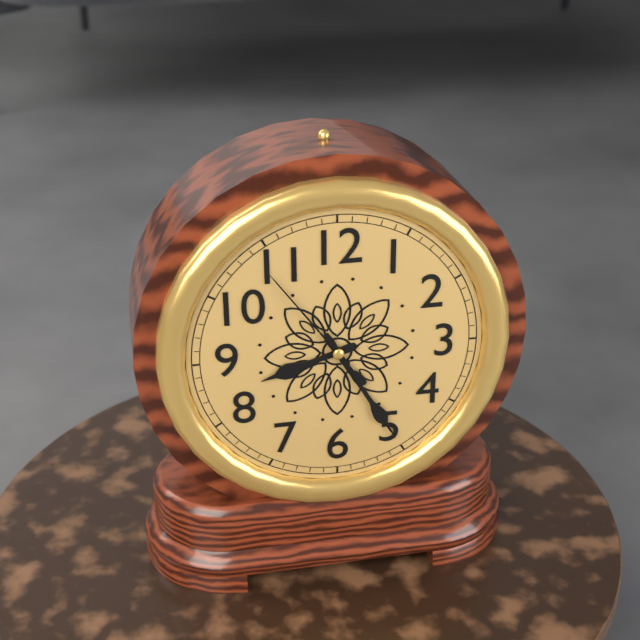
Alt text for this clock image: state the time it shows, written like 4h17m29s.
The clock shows 8h25m54s
